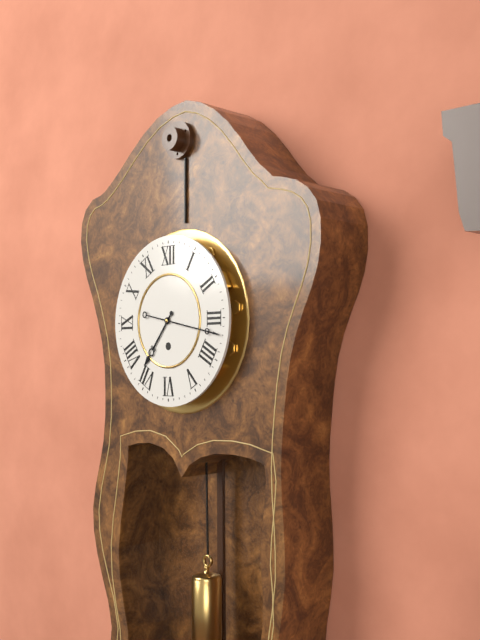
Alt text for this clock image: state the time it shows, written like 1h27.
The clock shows 7h17
